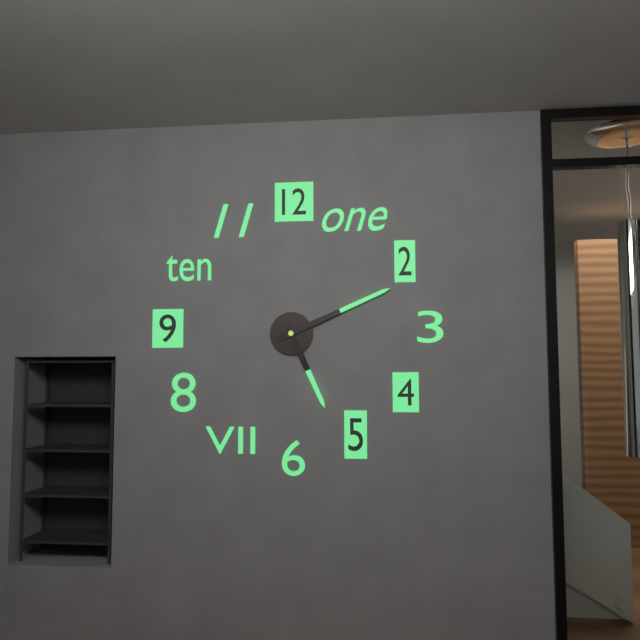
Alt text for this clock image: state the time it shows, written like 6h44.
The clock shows 5h11
